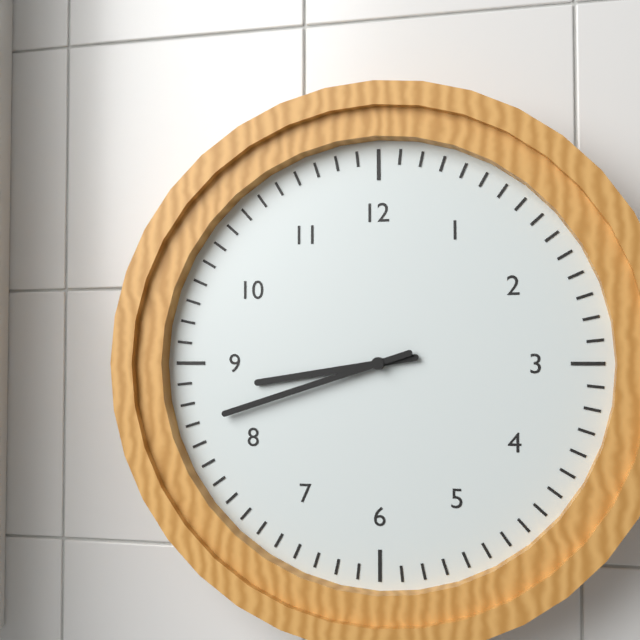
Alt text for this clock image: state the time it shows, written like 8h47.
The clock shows 8h42
